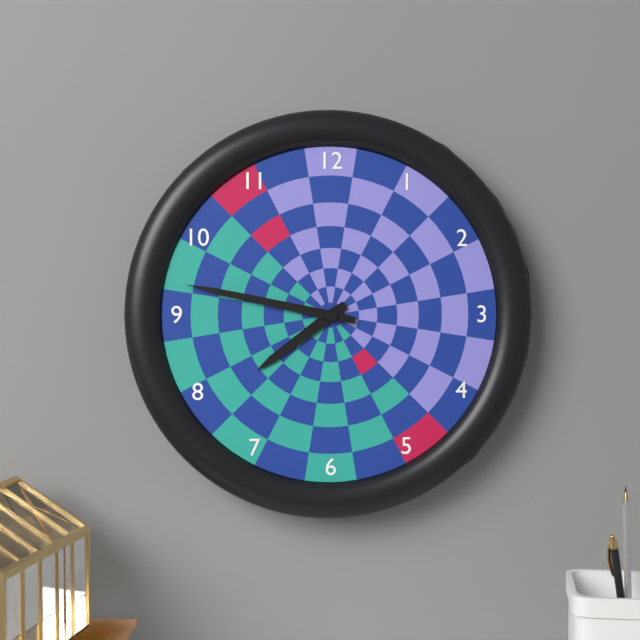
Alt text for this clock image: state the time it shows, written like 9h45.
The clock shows 7h47
